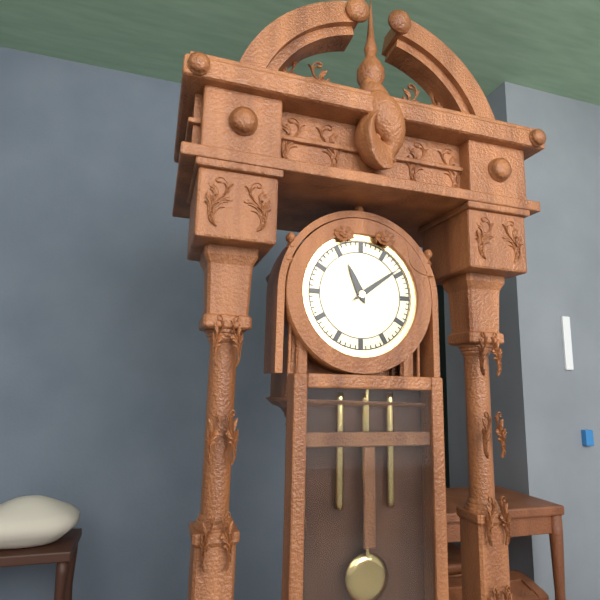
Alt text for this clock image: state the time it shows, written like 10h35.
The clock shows 11h09
